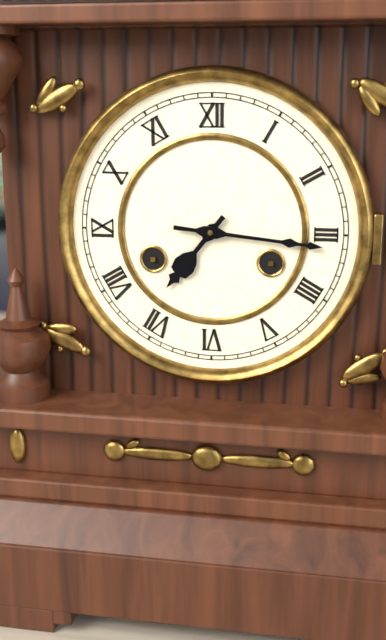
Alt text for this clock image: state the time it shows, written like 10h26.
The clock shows 7h16
